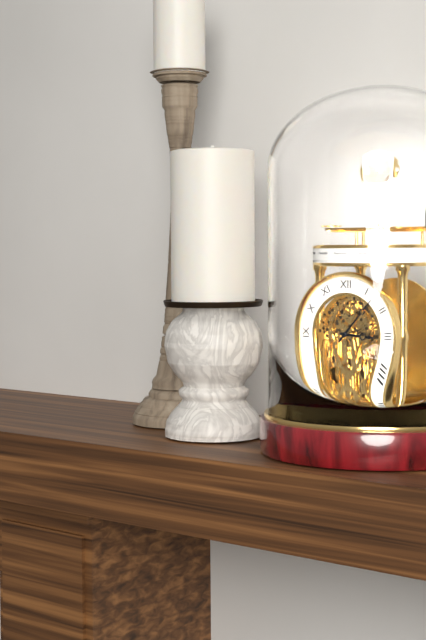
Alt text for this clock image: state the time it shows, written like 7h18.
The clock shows 3h07
